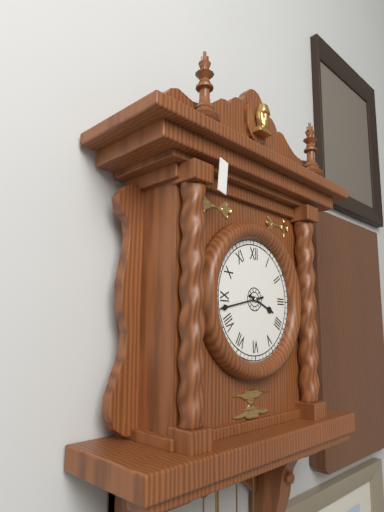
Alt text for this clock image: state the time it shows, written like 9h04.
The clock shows 3h43
